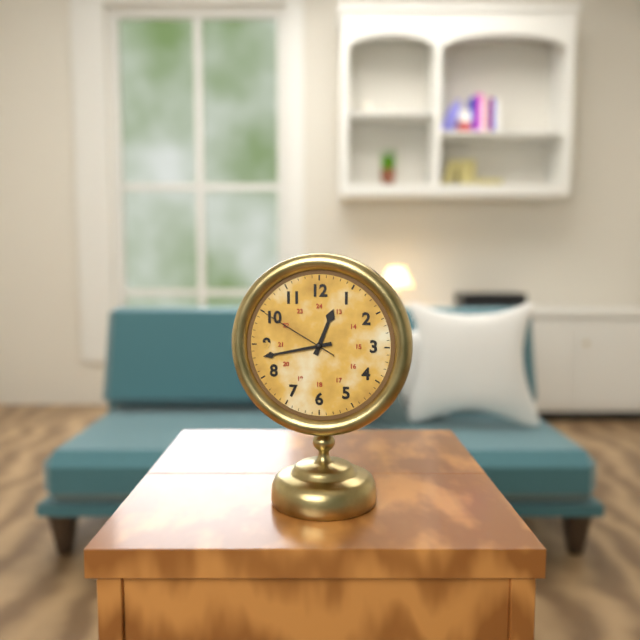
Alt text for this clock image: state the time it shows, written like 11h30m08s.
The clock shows 12h43m50s
